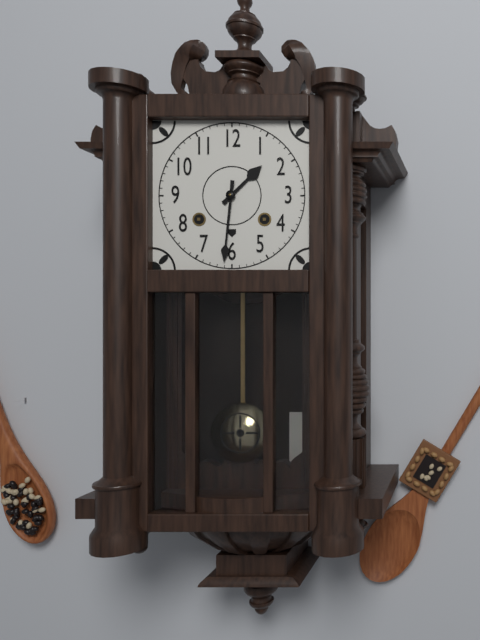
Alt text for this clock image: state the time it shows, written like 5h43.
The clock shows 1h31
